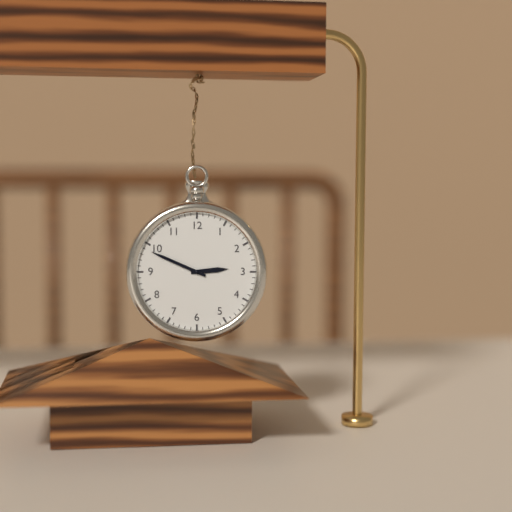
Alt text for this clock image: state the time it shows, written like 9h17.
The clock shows 2h49
